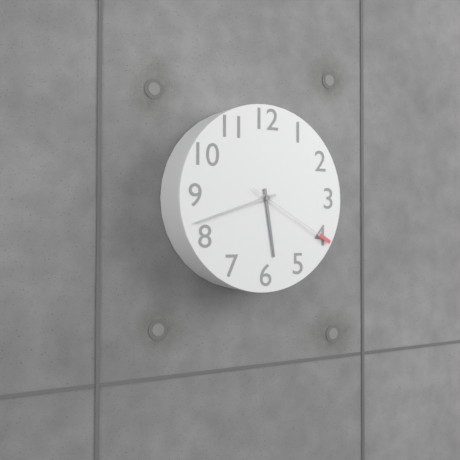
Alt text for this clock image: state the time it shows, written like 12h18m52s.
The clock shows 5h42m20s
